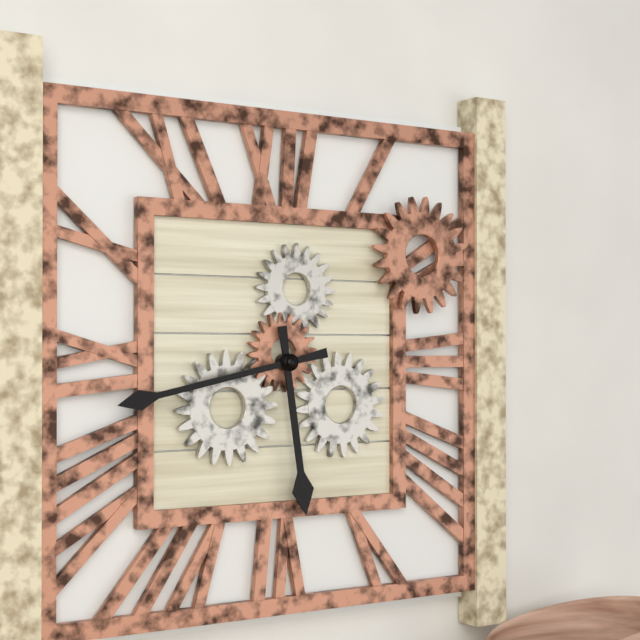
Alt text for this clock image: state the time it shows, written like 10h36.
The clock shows 5h43
